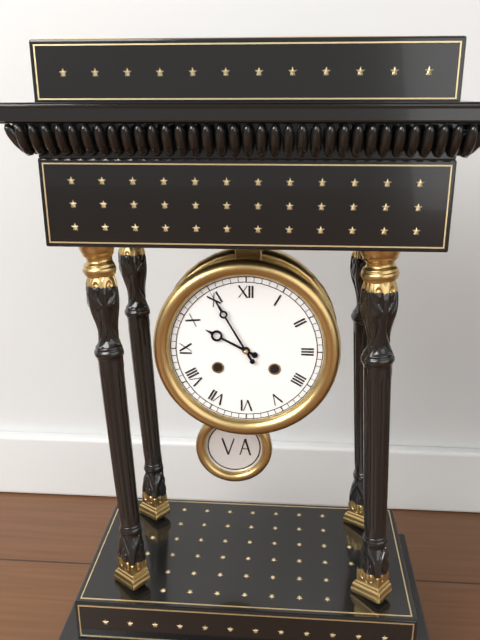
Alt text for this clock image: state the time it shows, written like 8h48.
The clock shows 9h55
